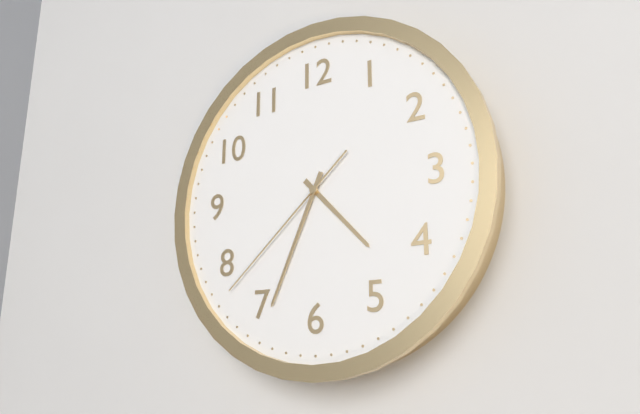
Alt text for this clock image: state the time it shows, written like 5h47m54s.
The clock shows 4h34m38s
